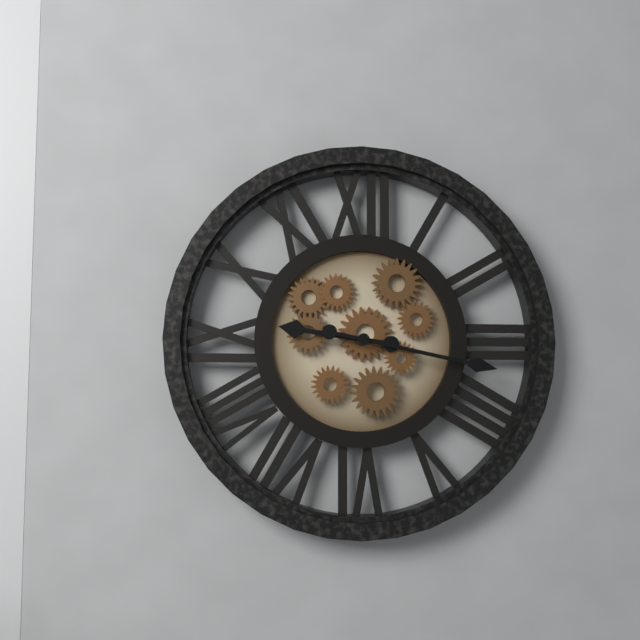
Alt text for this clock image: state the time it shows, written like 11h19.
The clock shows 9h17
